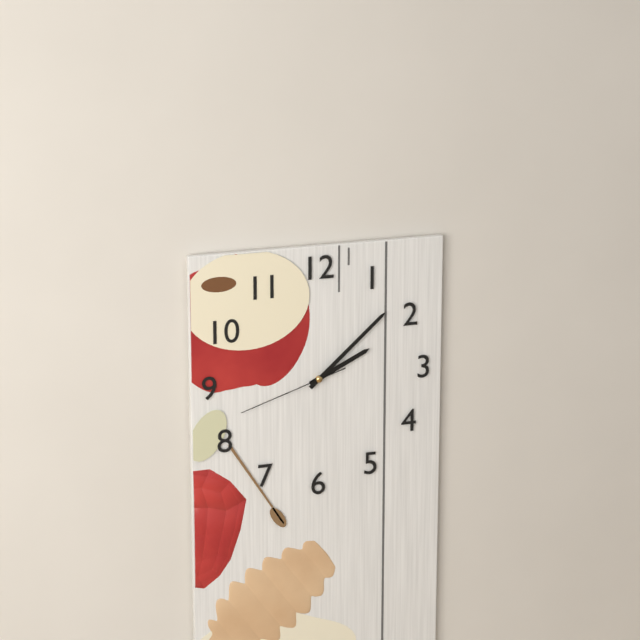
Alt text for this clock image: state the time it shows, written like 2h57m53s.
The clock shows 2h08m42s
